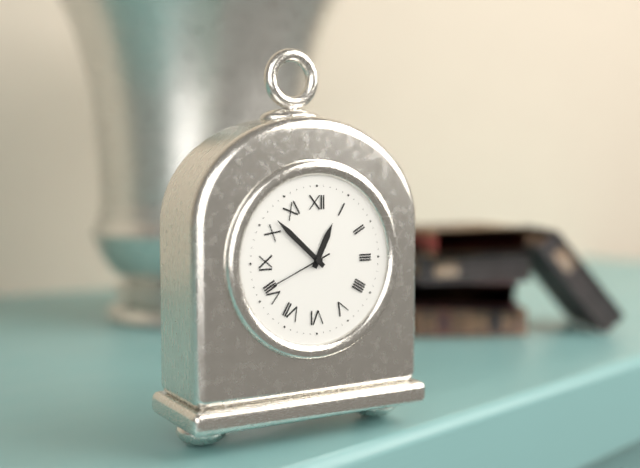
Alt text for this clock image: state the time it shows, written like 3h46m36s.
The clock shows 12h52m41s
